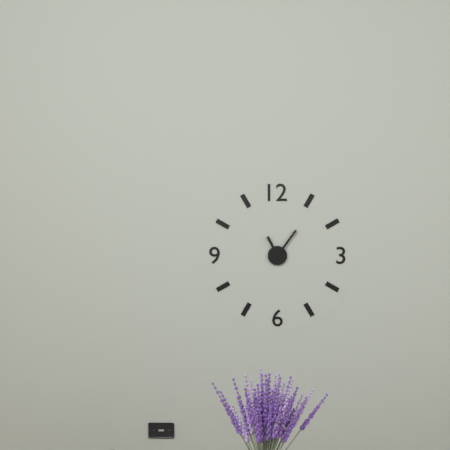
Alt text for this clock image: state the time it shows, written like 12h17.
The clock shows 11h06
